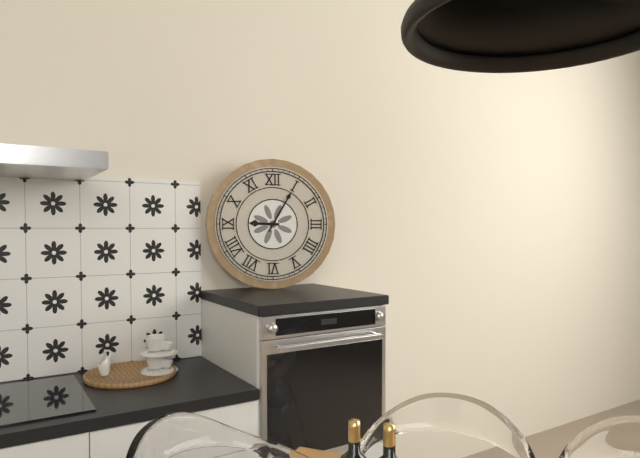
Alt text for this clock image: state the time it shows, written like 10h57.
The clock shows 9h05
